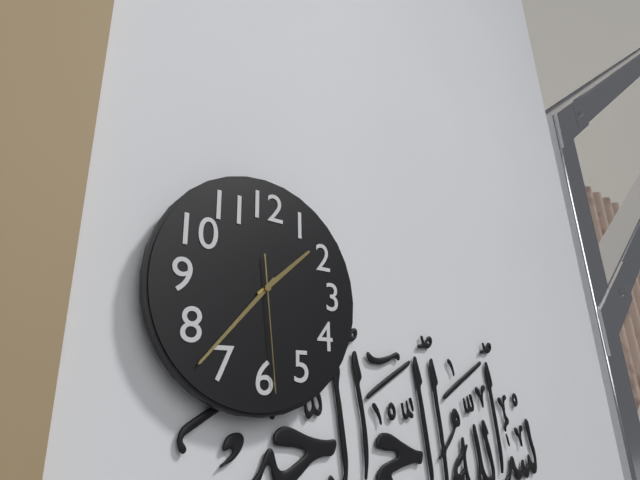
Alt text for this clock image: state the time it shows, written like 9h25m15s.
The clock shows 1h37m29s
